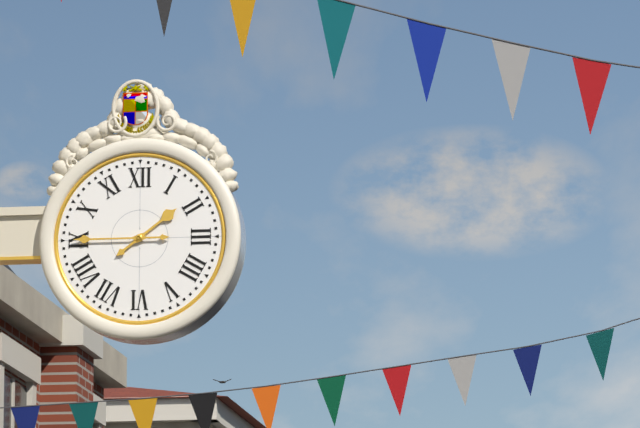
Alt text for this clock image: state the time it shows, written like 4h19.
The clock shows 1h45
